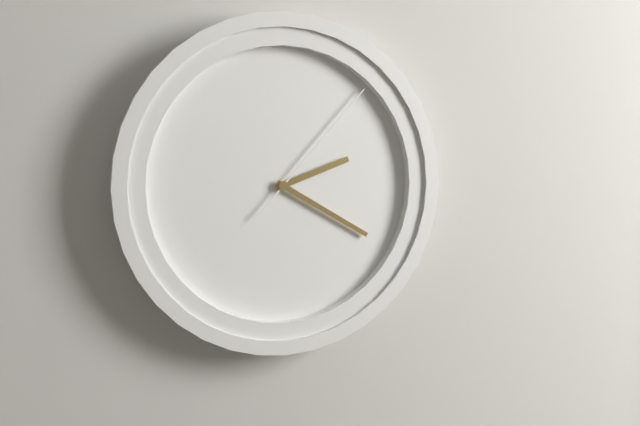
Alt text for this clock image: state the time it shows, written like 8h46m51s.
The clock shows 2h20m07s
